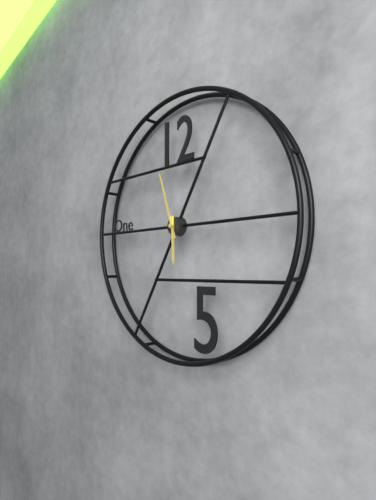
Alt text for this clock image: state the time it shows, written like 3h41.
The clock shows 5h57
